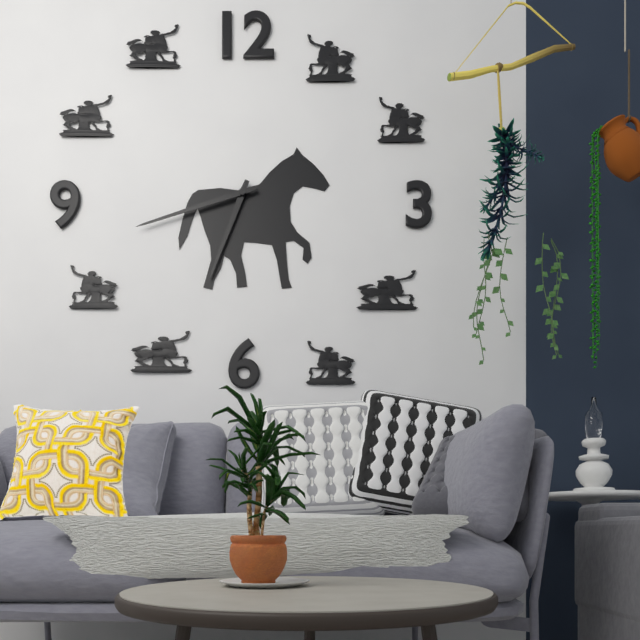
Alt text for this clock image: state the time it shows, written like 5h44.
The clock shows 6h42
